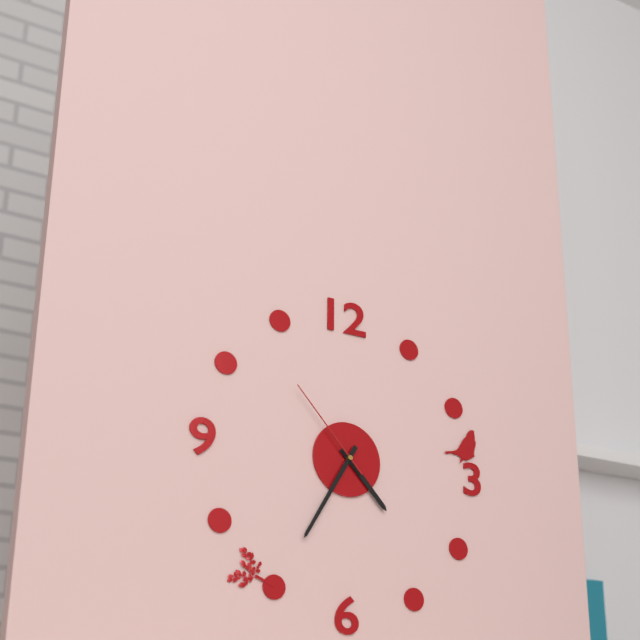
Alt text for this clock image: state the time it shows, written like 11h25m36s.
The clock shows 4h35m53s
